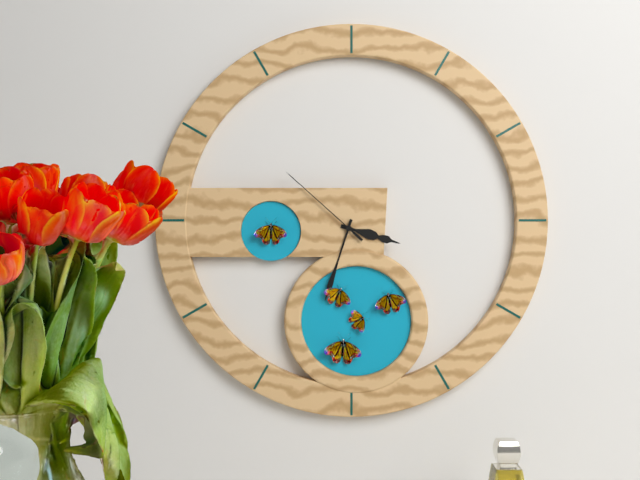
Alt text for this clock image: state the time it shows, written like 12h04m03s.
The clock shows 3h33m52s
